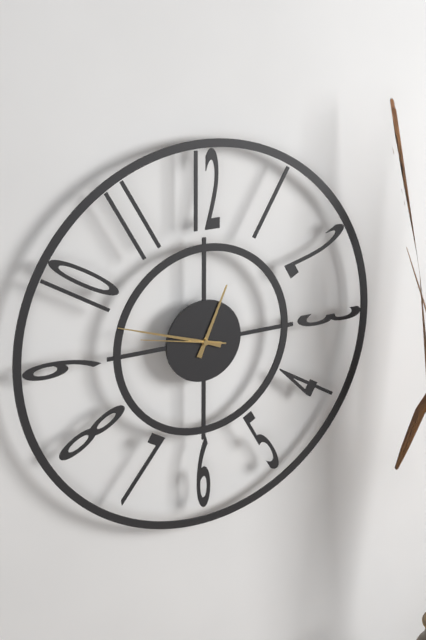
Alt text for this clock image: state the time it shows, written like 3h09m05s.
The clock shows 12h48m47s
